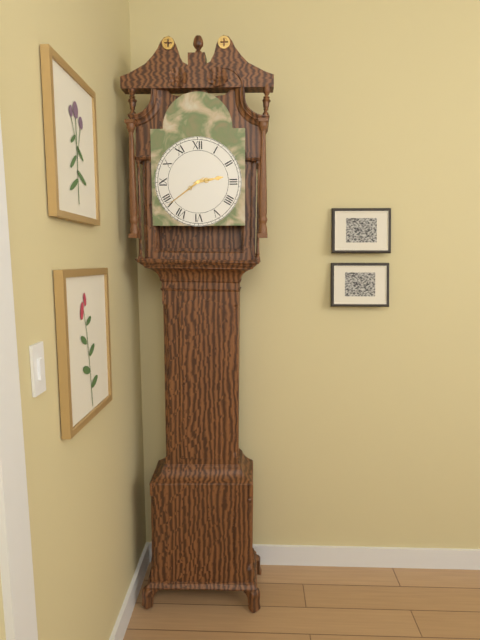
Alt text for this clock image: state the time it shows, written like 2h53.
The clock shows 2h39
